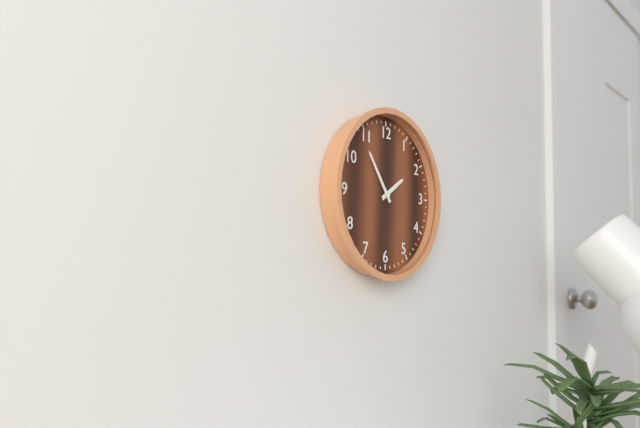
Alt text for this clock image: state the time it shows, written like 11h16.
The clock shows 1h54
